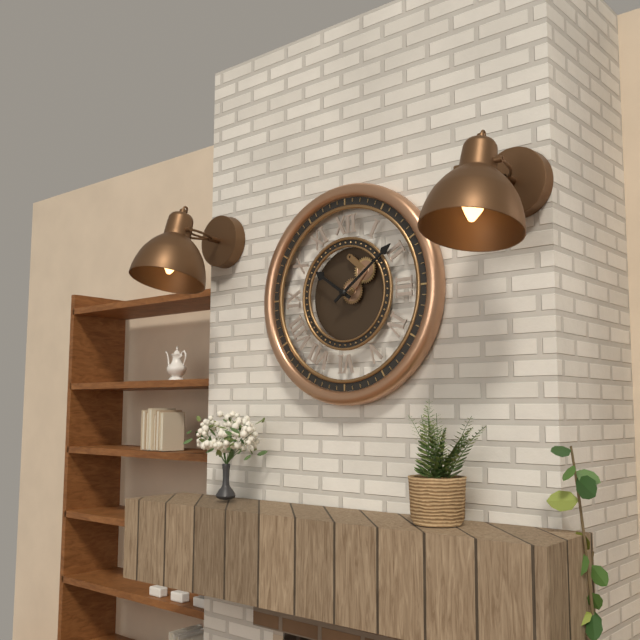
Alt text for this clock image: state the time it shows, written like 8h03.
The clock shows 10h09
